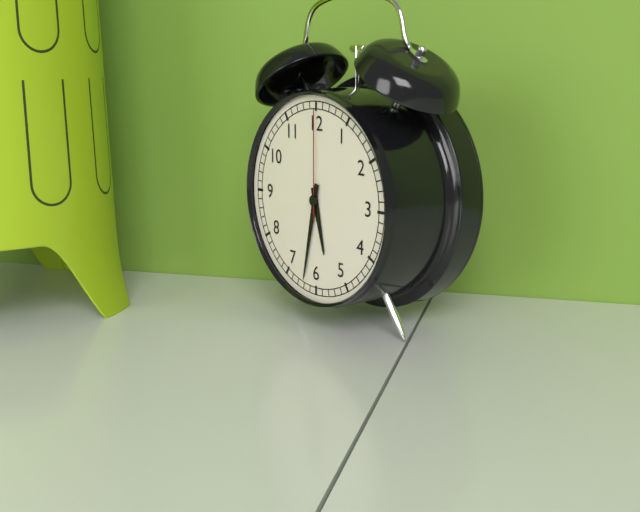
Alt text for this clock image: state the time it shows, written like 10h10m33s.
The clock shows 5h32m00s
